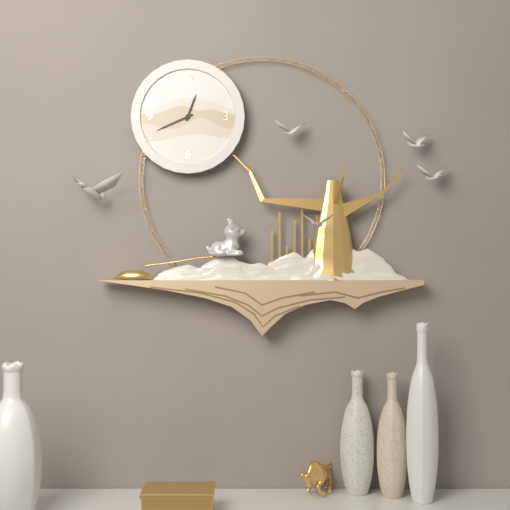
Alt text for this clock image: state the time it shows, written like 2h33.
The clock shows 12h41
